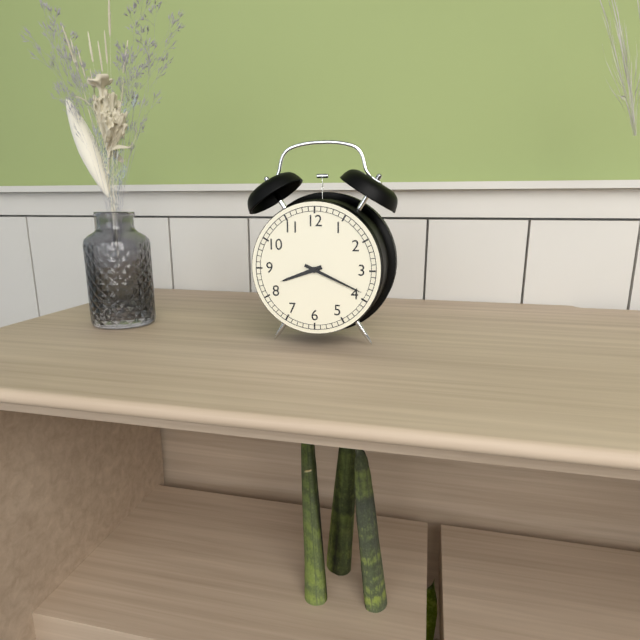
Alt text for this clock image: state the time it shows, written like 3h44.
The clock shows 8h19
